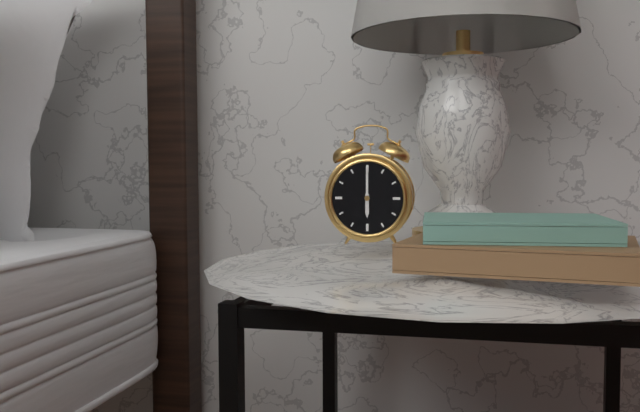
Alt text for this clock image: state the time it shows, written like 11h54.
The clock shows 6h00
